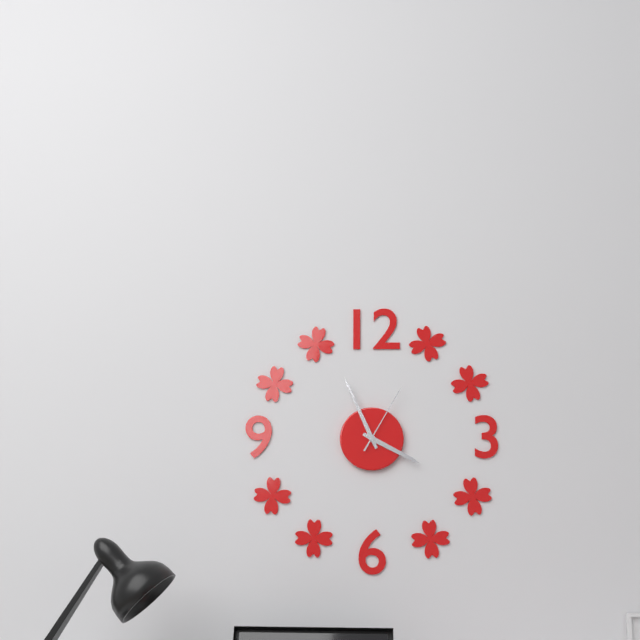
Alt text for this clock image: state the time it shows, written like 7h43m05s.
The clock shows 3h56m05s
